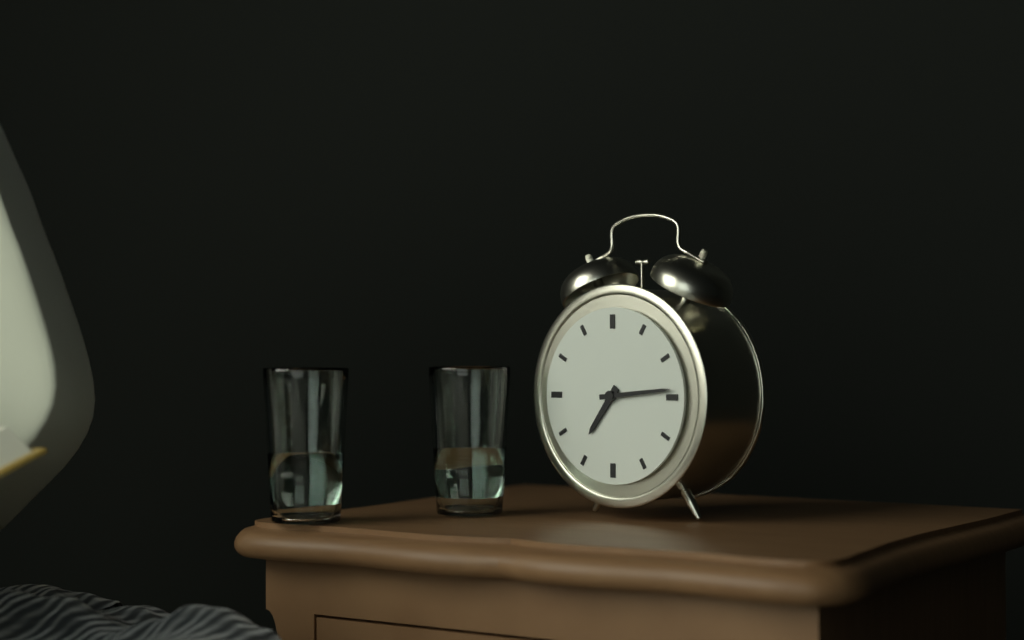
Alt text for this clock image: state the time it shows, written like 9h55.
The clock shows 7h14
